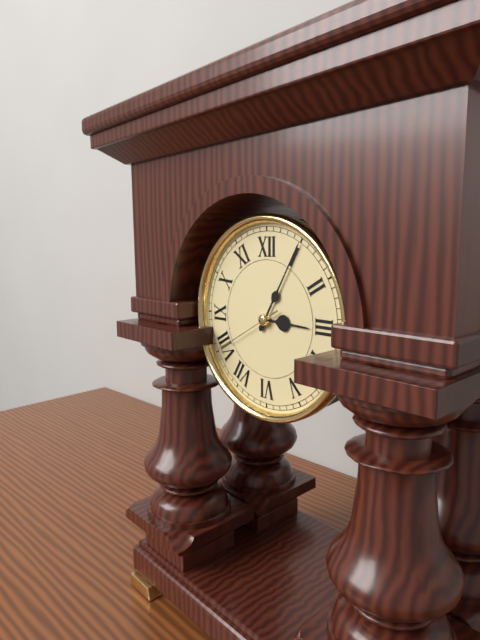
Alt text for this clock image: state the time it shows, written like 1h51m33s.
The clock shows 3h05m40s
